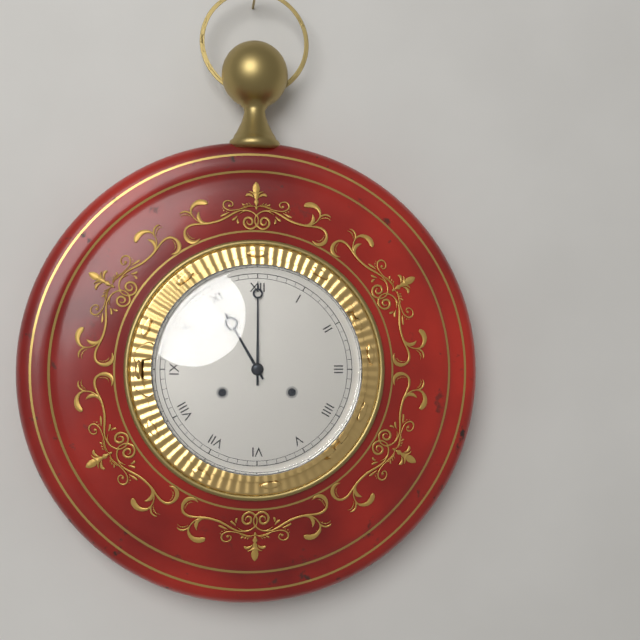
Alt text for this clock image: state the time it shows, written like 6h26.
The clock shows 11h00
